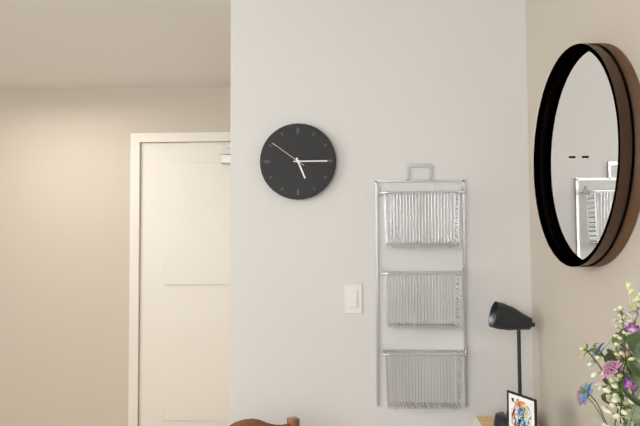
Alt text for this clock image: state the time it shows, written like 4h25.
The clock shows 5h15
